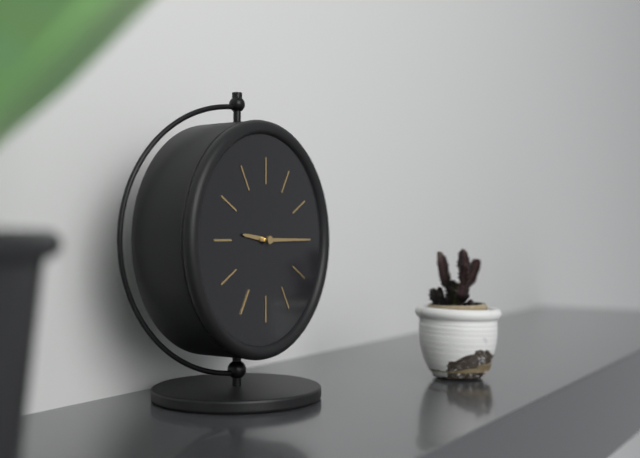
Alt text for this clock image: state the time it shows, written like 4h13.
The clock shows 9h15
